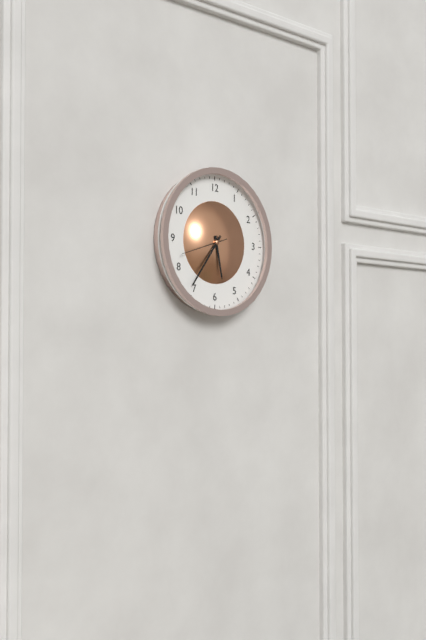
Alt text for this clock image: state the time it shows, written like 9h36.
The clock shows 5h36
